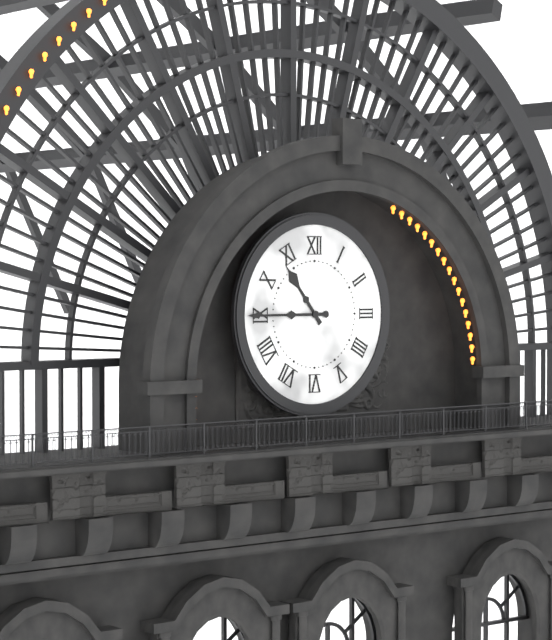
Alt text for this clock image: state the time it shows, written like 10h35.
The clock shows 10h45
